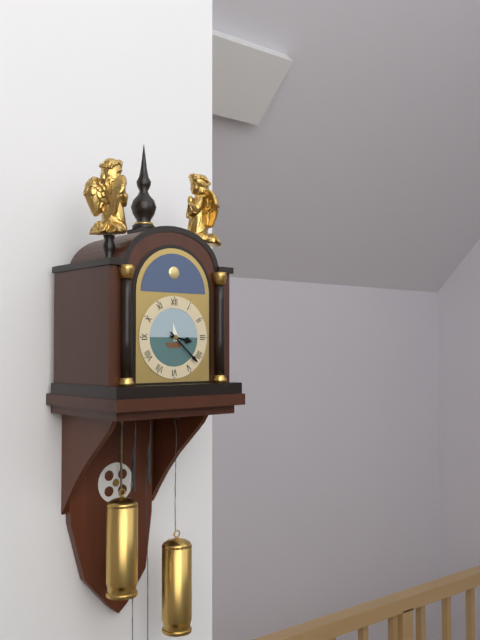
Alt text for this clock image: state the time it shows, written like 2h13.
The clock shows 3h22
